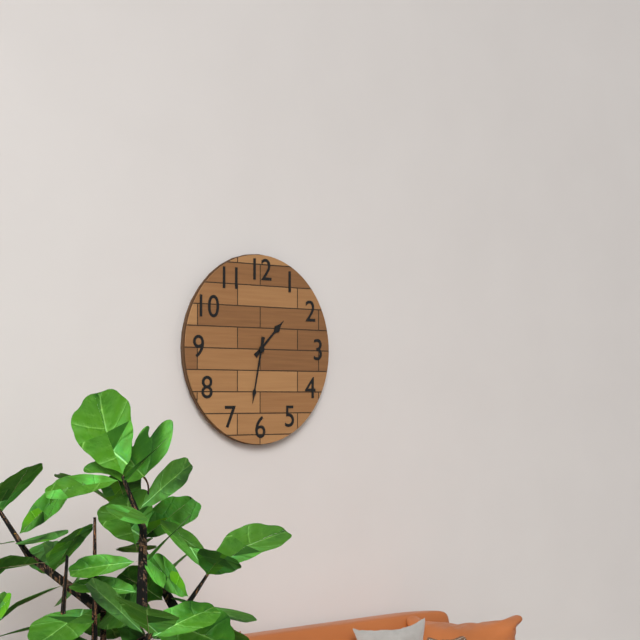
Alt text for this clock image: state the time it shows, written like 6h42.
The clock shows 1h32
